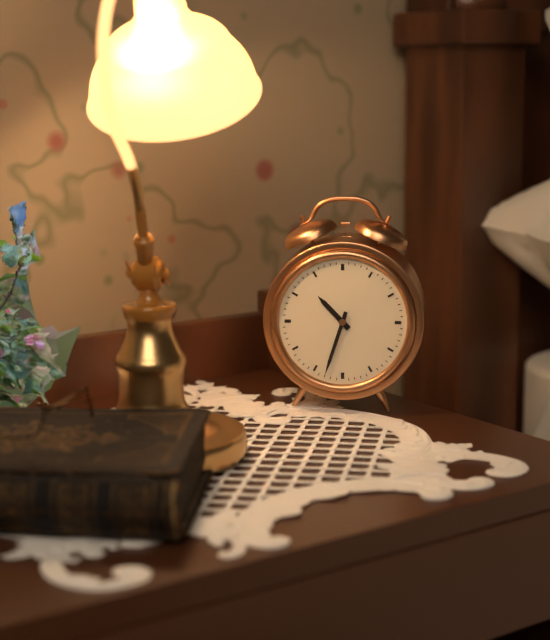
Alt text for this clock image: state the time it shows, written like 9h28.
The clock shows 10h33
